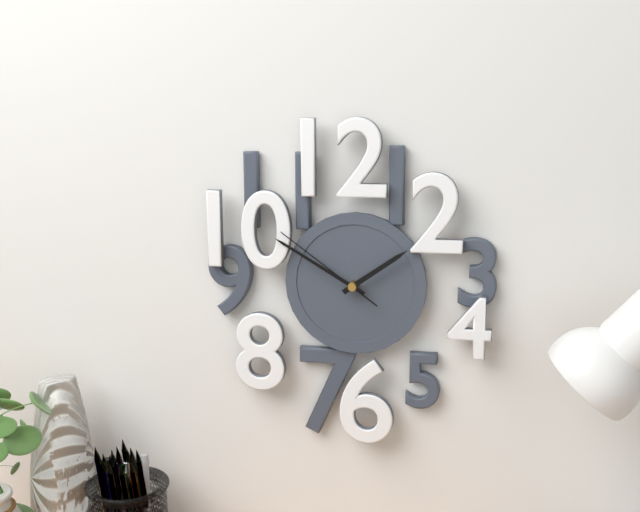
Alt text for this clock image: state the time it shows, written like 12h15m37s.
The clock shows 1h50m51s
